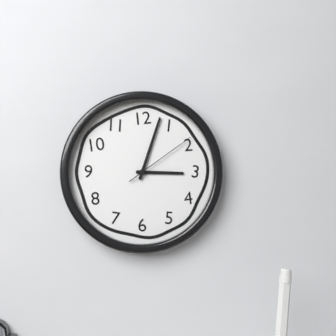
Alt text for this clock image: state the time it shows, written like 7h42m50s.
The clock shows 3h03m09s
